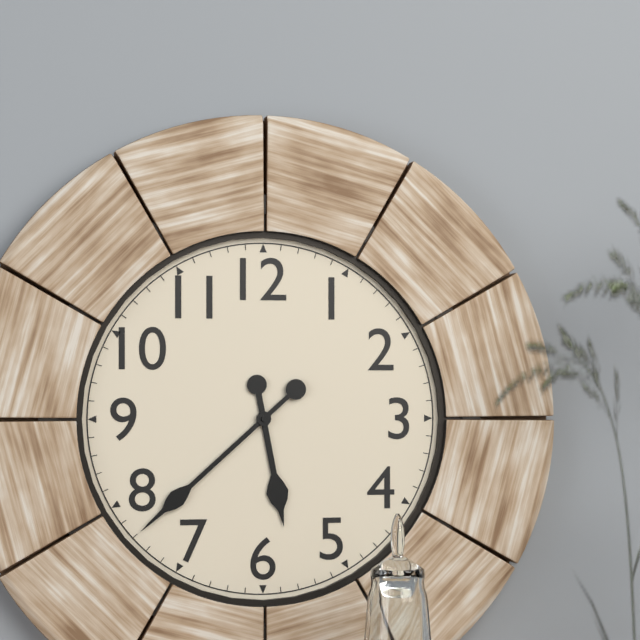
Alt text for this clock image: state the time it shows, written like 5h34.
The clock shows 5h38
